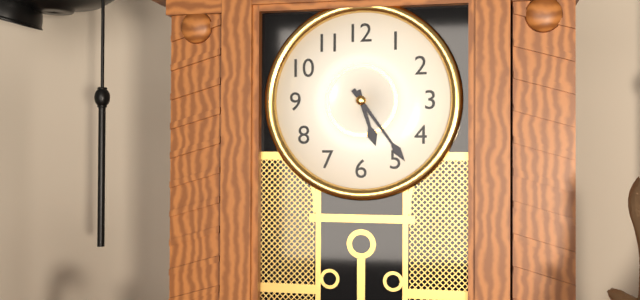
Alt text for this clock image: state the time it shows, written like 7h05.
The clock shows 5h24
